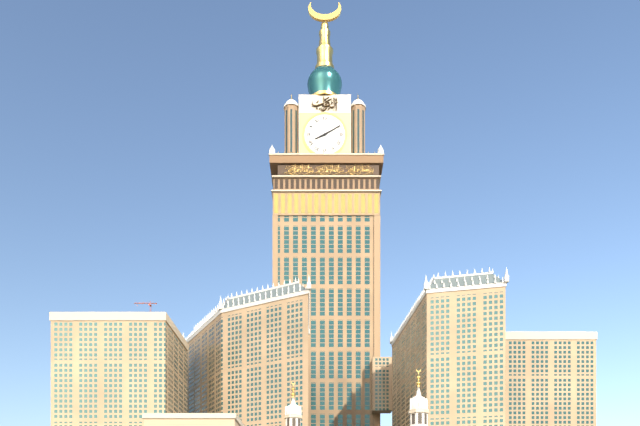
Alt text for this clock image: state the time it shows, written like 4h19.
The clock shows 8h10
